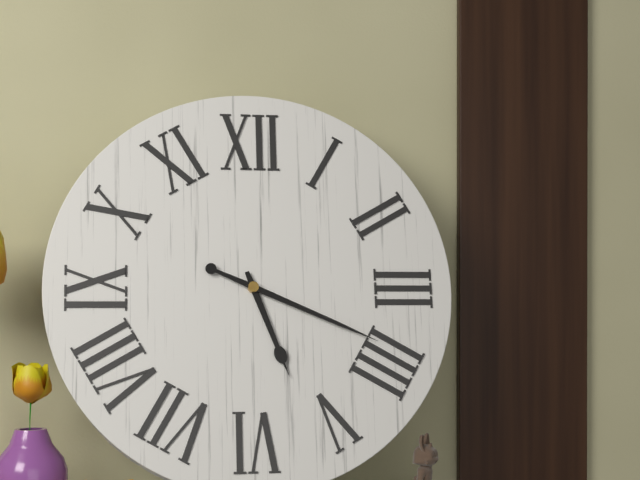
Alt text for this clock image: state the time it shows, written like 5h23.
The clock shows 5h19
